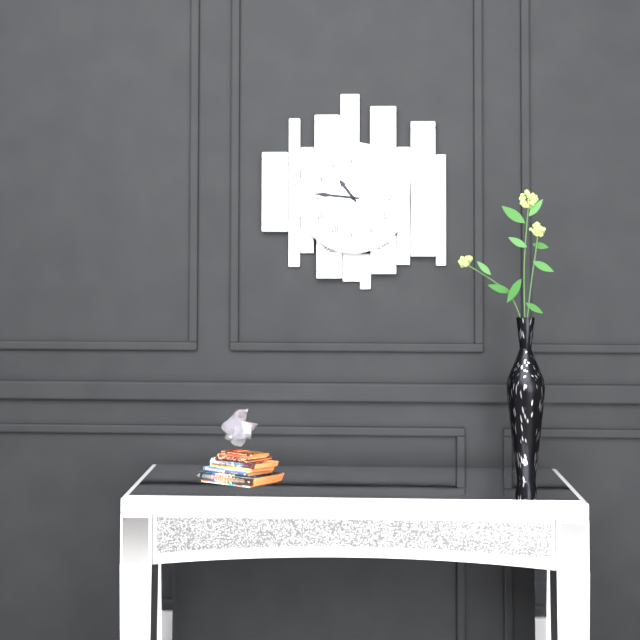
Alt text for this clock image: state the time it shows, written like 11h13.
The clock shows 10h46
